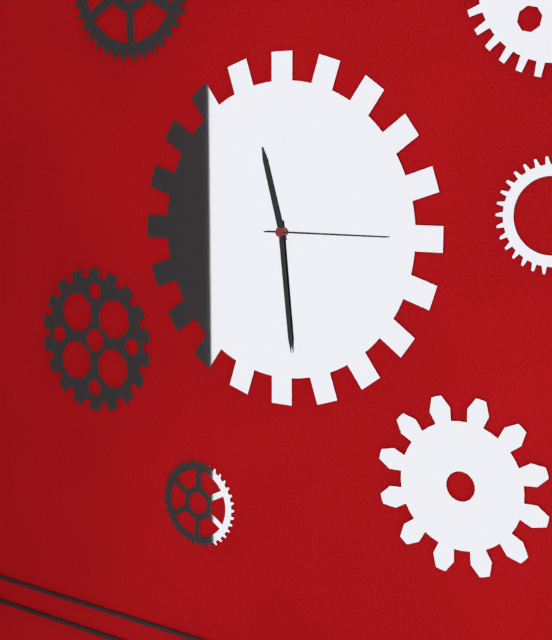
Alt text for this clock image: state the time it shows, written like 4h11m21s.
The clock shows 11h29m15s
